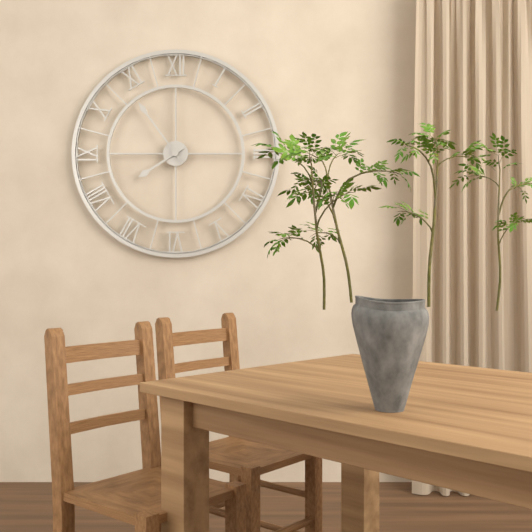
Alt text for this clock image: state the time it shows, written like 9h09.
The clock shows 7h54
